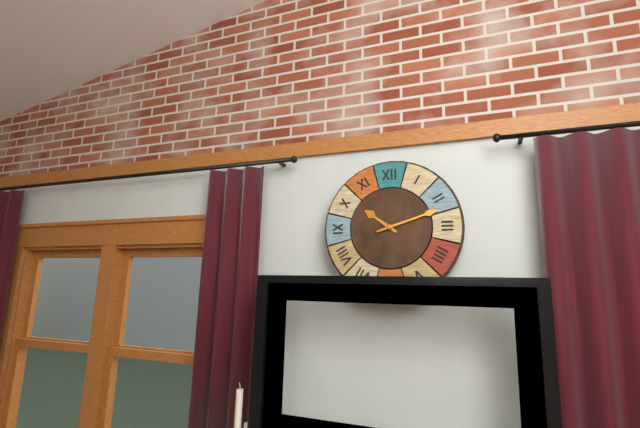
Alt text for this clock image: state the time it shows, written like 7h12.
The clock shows 10h12
